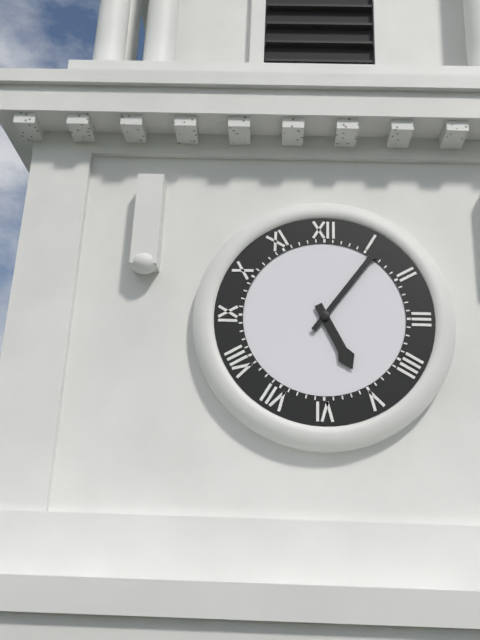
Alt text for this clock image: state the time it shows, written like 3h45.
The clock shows 5h06
